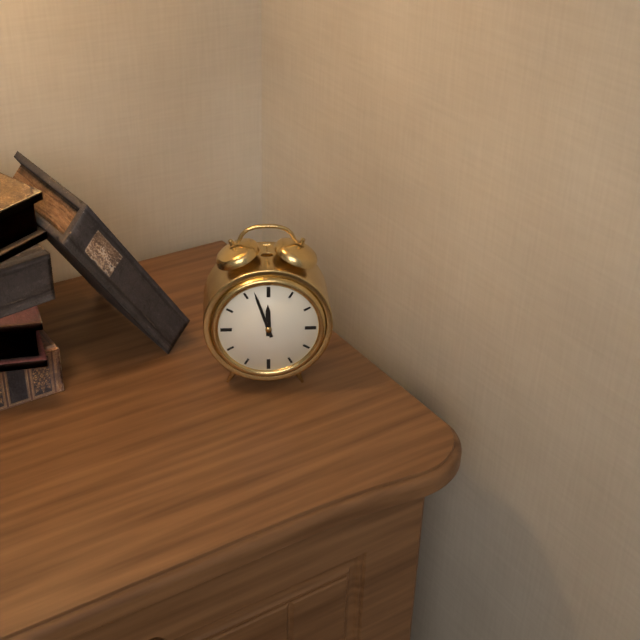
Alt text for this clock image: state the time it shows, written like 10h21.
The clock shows 11h57
